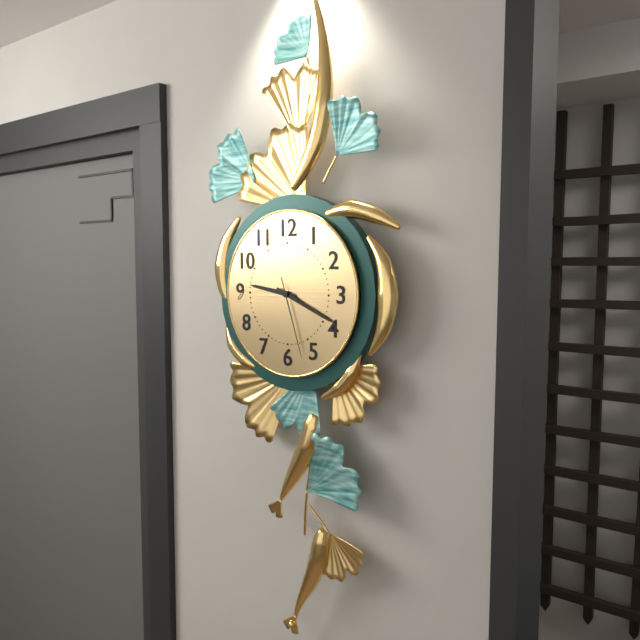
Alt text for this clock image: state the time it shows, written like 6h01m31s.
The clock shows 9h19m27s
